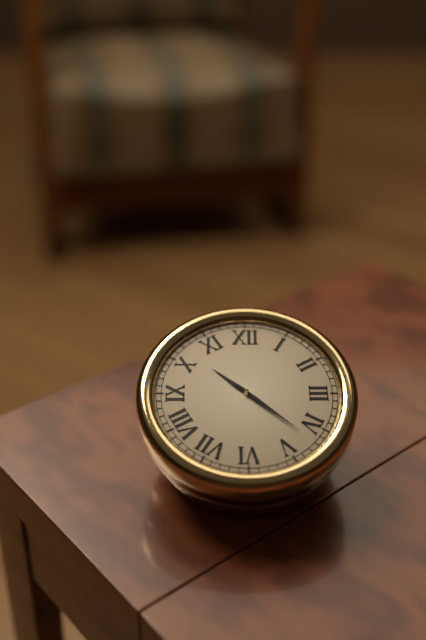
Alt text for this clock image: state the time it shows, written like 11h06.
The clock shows 10h22
